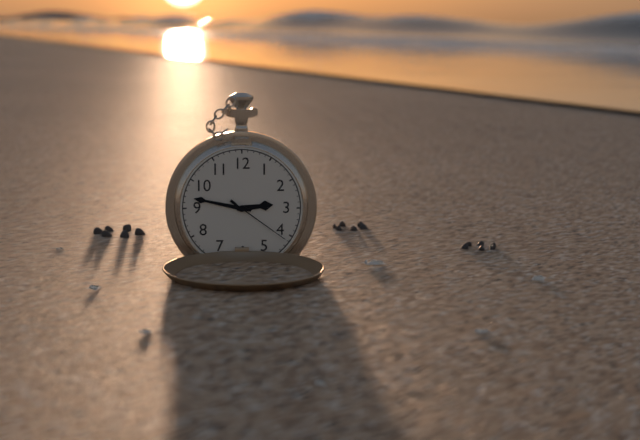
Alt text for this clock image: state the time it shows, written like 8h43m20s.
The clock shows 2h47m21s
